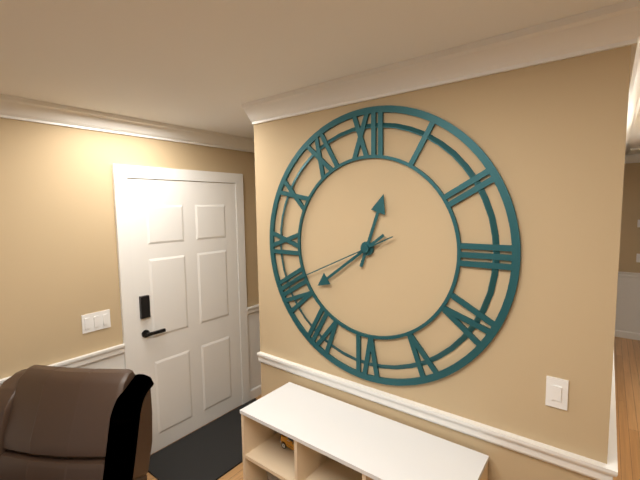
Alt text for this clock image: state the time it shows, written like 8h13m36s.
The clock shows 12h39m41s
